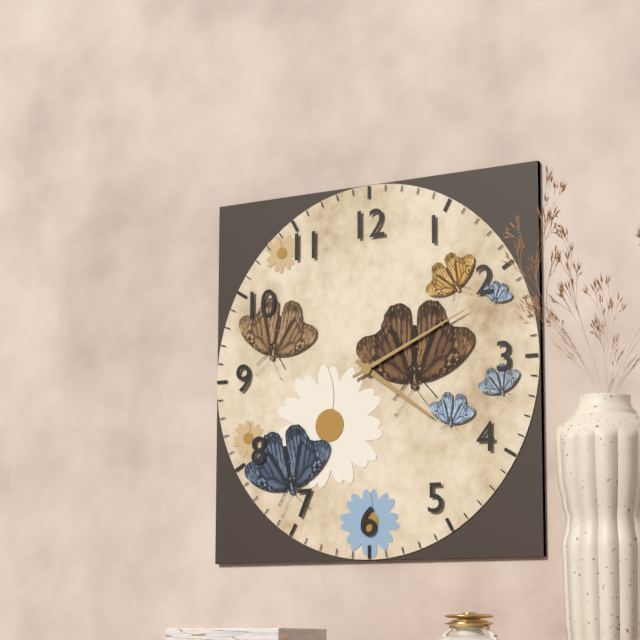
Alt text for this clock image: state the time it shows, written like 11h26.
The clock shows 4h11
